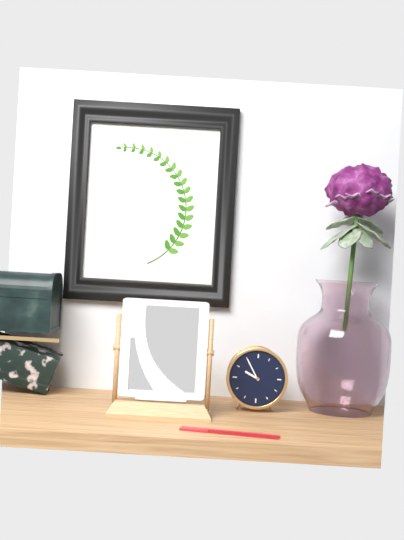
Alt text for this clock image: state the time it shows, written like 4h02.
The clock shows 9h55
